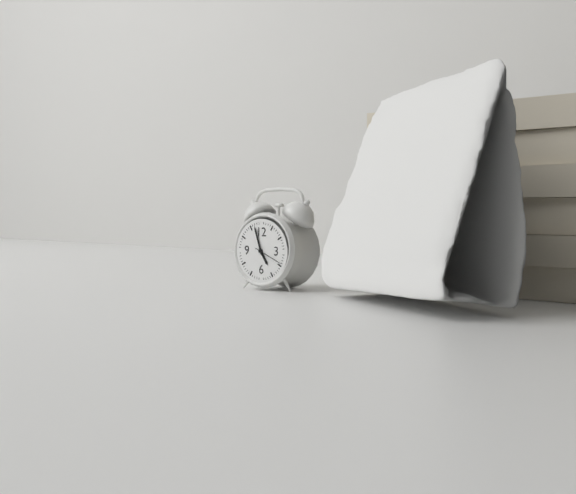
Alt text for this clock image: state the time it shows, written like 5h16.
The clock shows 4h57
